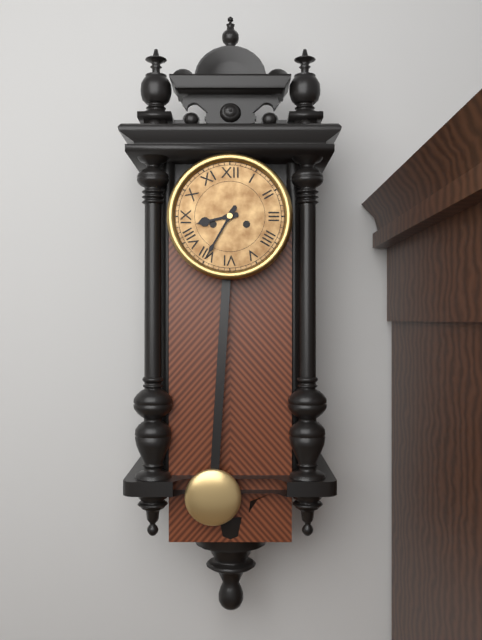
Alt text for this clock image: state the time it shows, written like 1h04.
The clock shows 8h35
